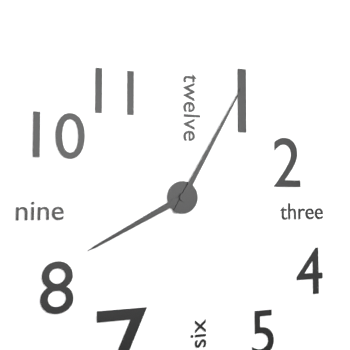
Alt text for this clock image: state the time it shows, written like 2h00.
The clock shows 8h05
